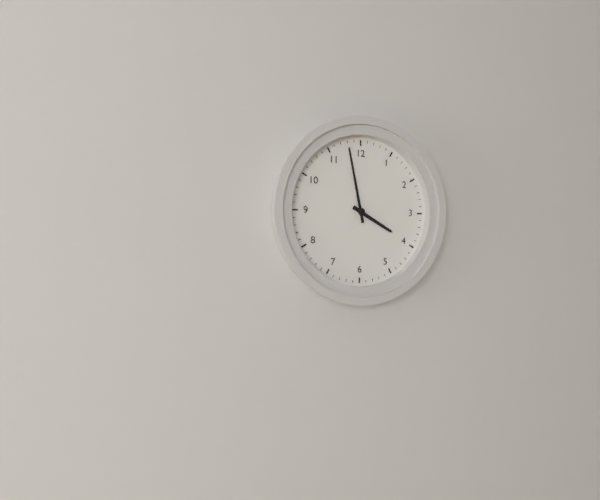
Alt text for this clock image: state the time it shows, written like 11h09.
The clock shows 3h58
